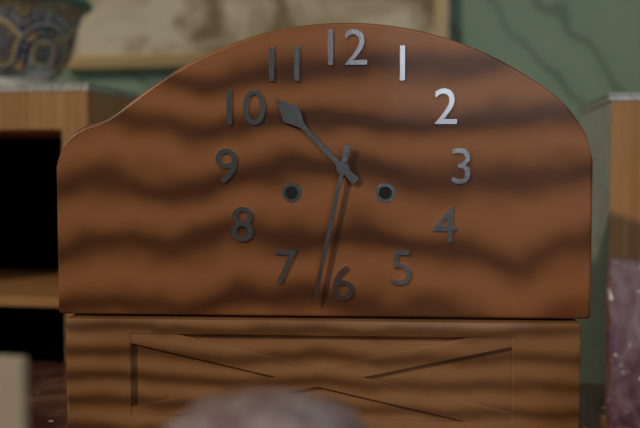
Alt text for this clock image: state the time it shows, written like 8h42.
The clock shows 10h32
